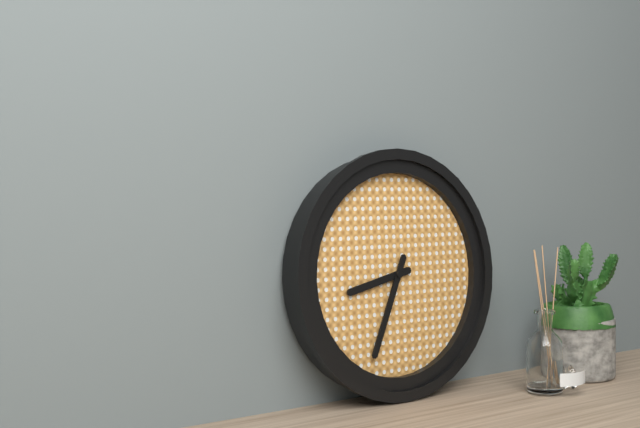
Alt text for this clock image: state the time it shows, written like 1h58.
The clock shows 8h34
